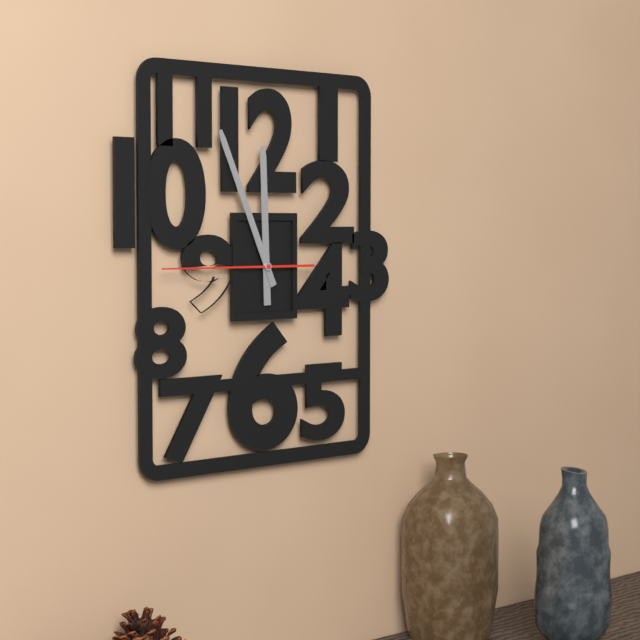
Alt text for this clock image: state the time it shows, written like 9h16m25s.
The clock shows 11h56m45s
